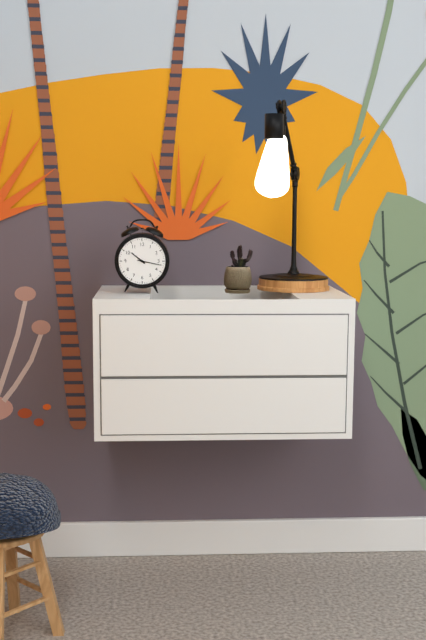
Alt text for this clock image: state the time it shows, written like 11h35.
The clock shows 10h17
